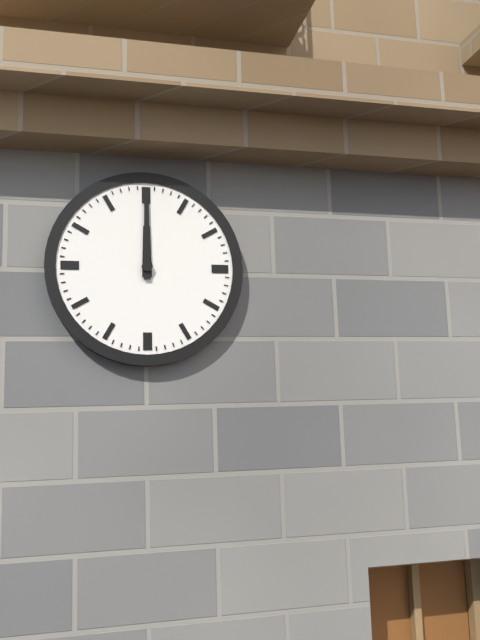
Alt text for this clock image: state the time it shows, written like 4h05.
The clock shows 12h00
